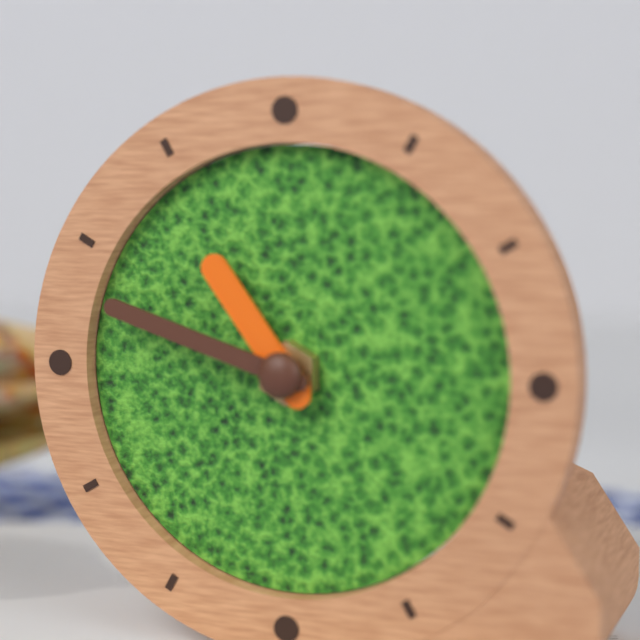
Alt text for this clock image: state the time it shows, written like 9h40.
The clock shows 10h48
